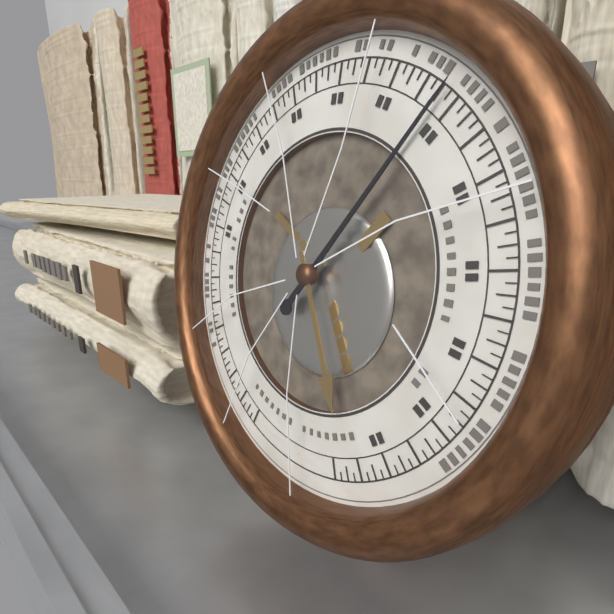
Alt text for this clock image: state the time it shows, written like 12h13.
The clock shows 5h06
